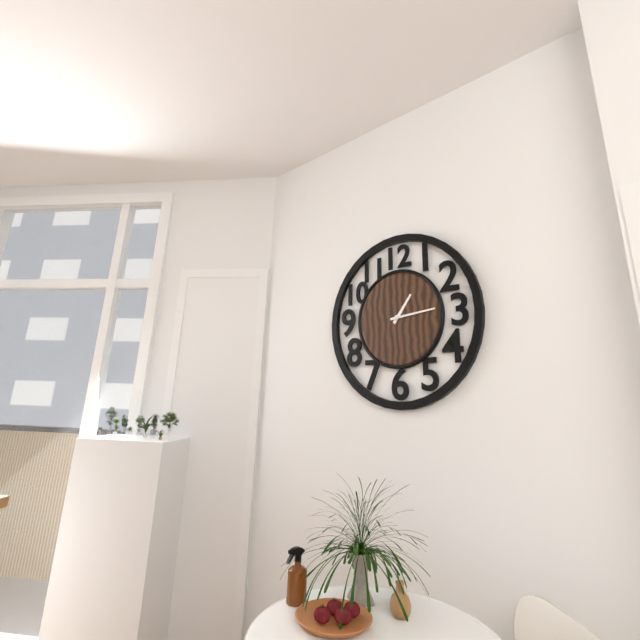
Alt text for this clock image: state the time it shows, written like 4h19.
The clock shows 1h14
